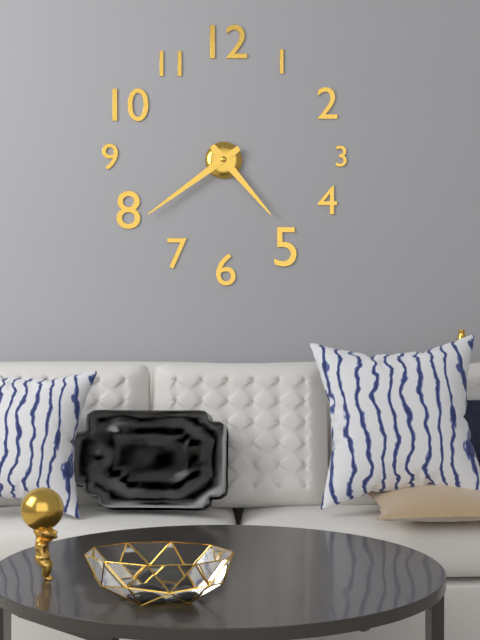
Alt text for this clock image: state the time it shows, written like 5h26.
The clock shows 4h39
